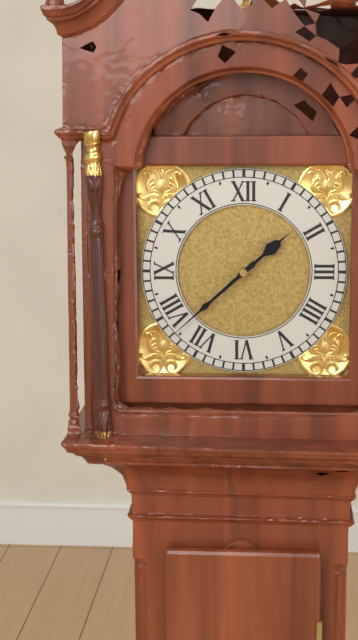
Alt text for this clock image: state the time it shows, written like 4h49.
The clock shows 1h38
